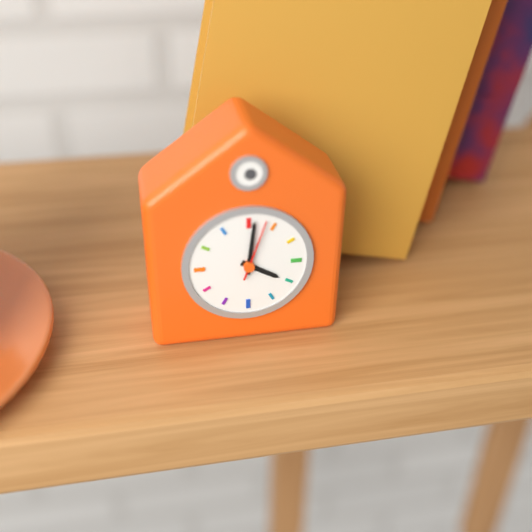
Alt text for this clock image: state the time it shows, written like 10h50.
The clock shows 4h01
